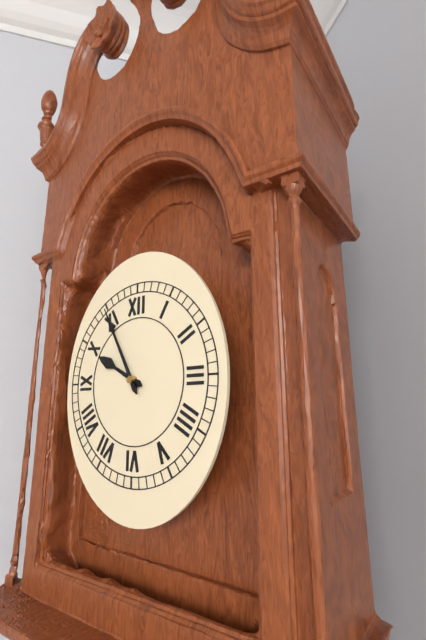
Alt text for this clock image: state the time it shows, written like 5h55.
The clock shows 9h55
